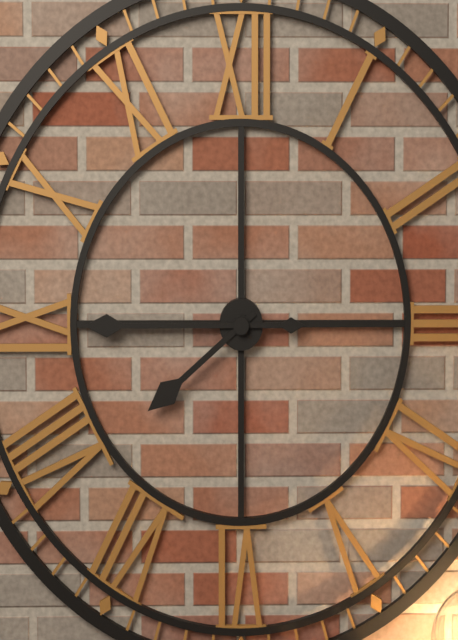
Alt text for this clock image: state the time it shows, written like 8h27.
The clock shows 7h45
